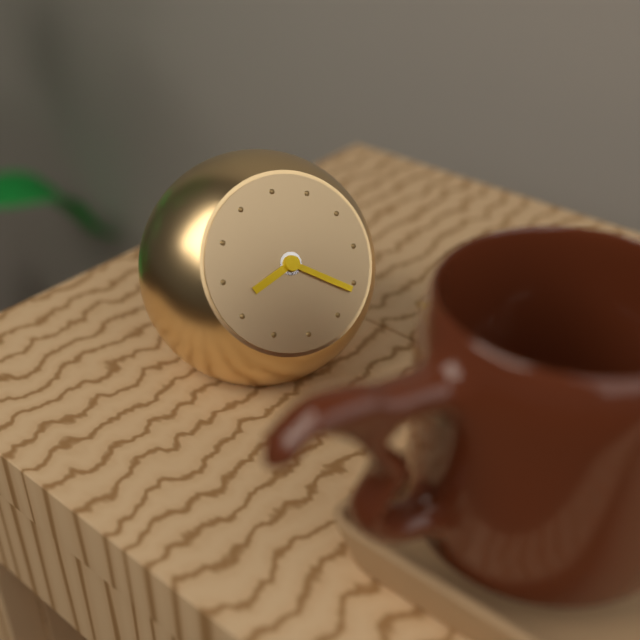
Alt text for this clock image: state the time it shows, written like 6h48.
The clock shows 8h21
